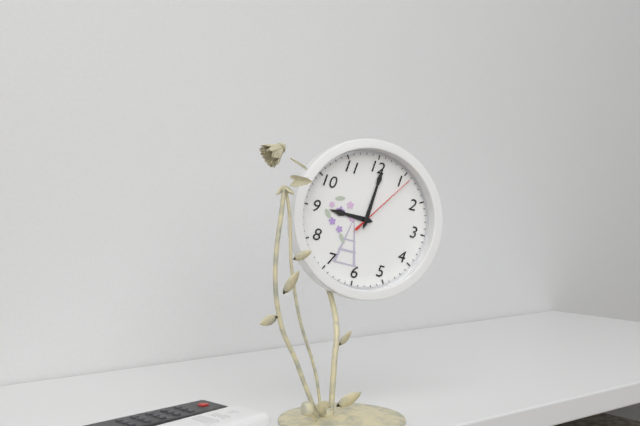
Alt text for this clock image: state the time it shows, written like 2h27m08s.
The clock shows 9h01m06s
